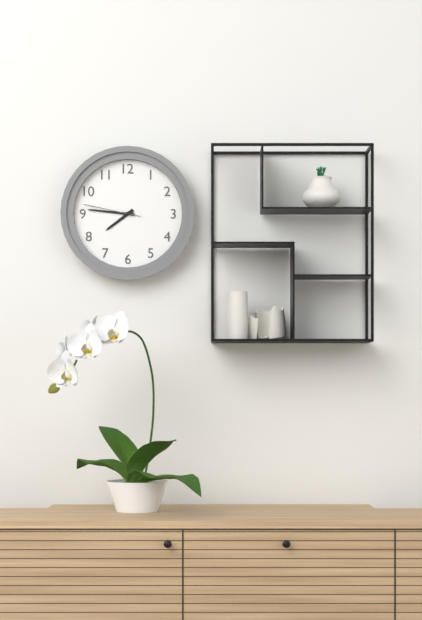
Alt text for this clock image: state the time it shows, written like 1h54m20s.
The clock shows 7h46m47s
